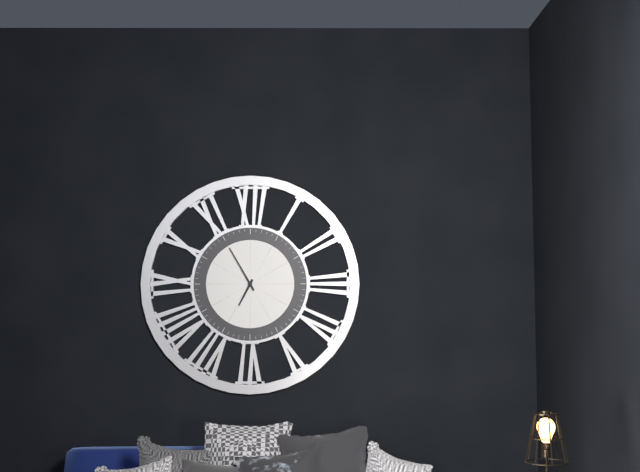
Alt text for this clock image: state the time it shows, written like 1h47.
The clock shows 6h55
